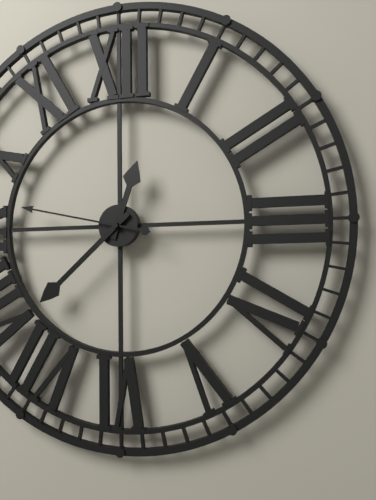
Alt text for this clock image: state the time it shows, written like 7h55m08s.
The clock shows 12h38m47s
